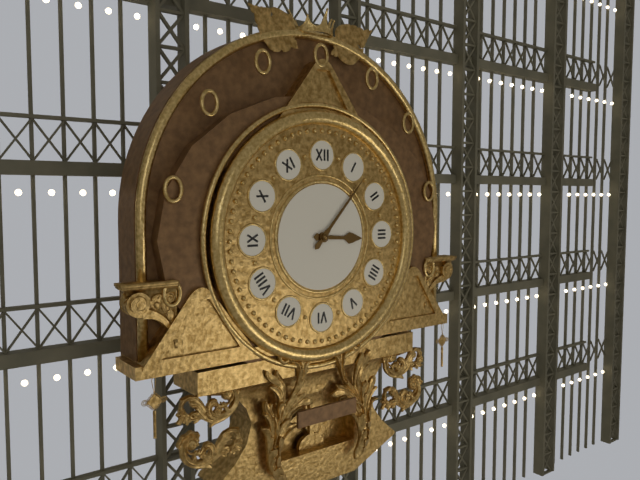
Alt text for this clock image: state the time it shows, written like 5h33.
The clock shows 3h07
